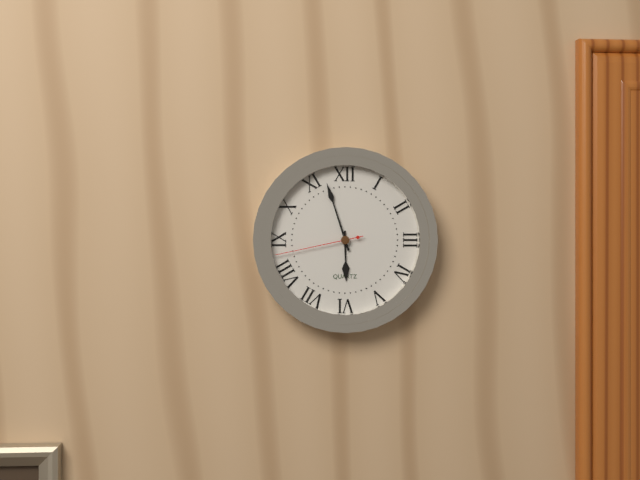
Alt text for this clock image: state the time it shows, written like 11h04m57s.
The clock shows 5h57m43s
